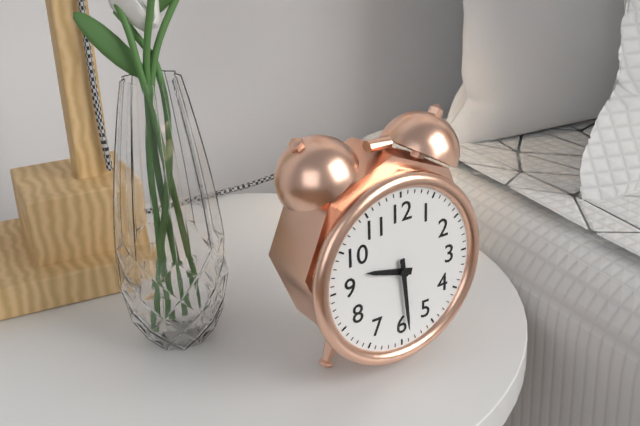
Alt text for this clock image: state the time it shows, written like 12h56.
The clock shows 9h29
